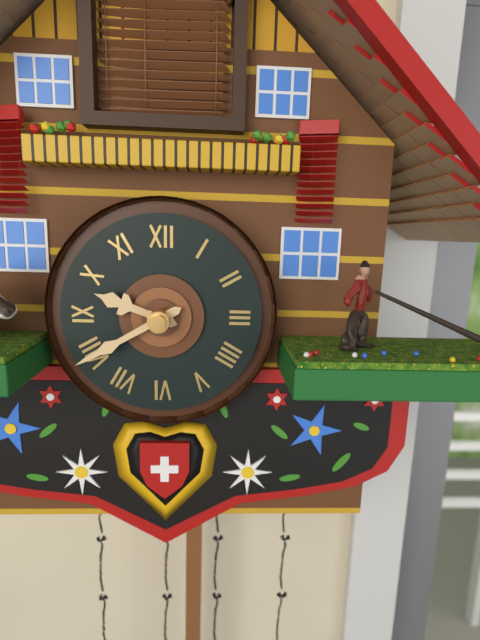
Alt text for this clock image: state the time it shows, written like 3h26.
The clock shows 9h40
